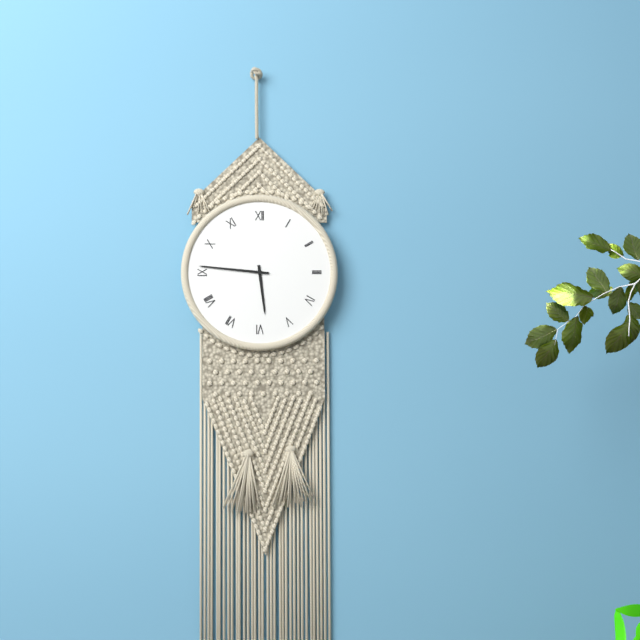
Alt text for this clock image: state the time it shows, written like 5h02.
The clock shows 5h46
